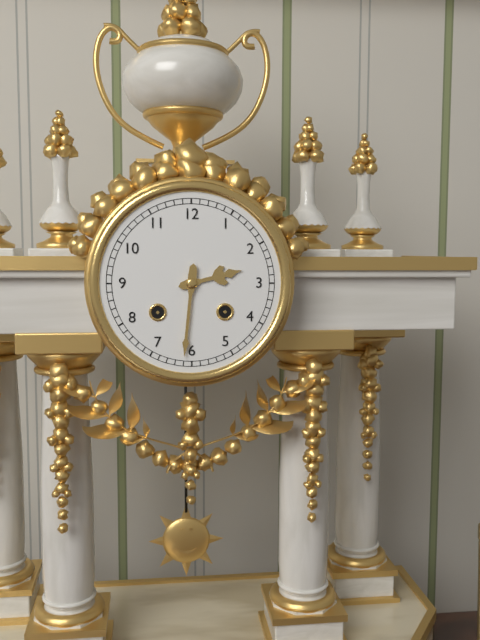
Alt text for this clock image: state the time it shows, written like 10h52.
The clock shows 2h31
